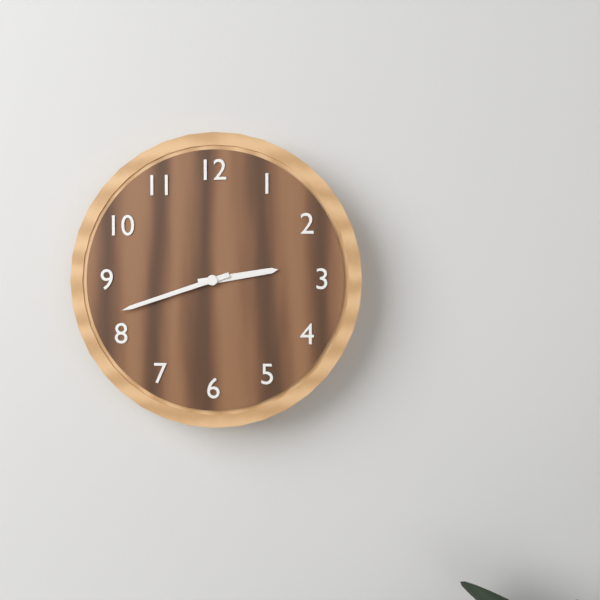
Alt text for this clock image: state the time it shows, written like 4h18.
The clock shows 2h42
